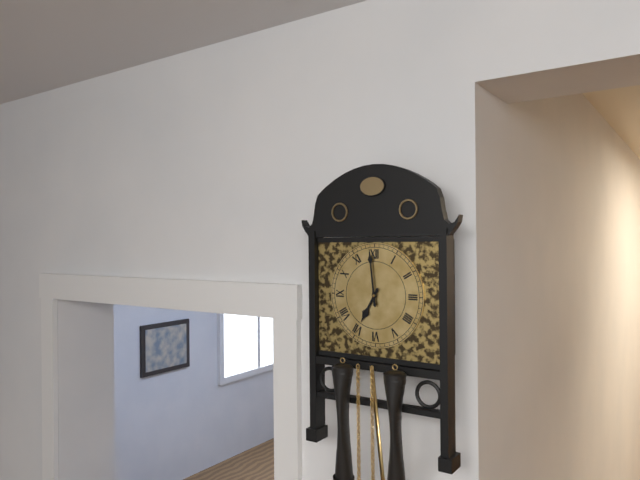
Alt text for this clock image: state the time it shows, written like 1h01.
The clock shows 6h59
